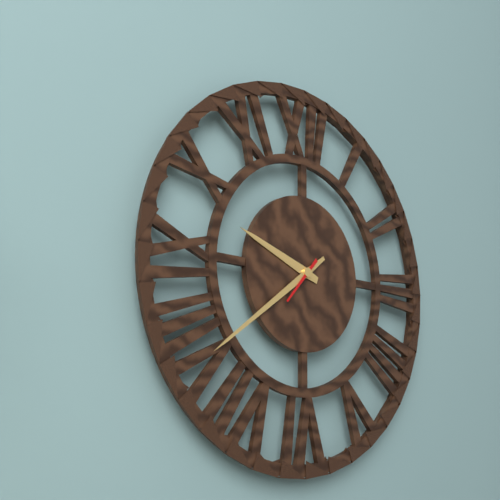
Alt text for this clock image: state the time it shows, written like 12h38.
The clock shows 9h39
